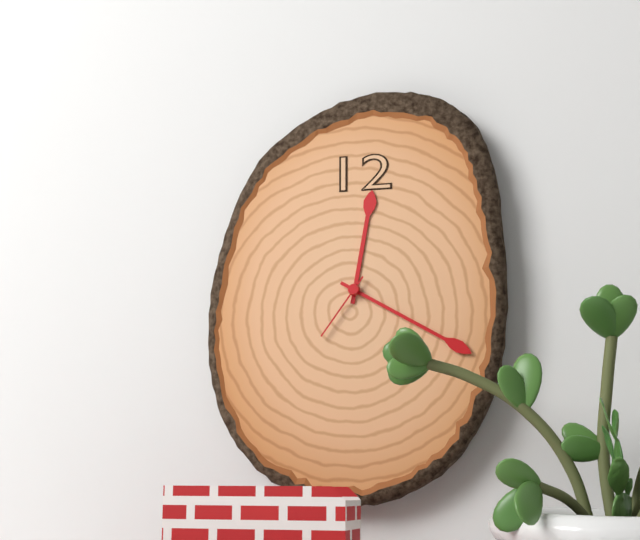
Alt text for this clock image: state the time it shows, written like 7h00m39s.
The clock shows 12h20m36s
